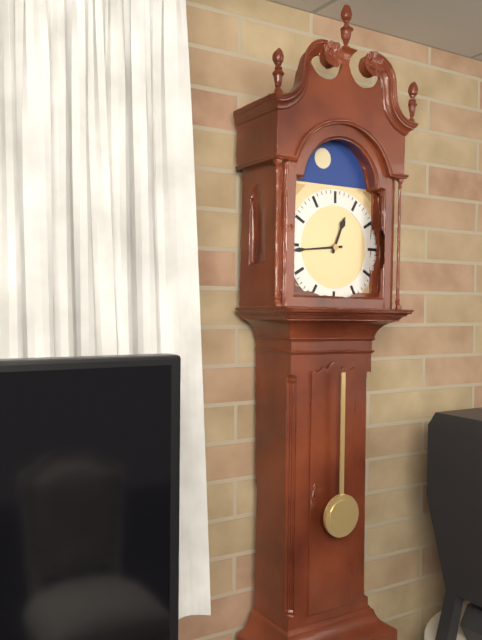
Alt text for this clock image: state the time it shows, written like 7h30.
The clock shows 12h44
